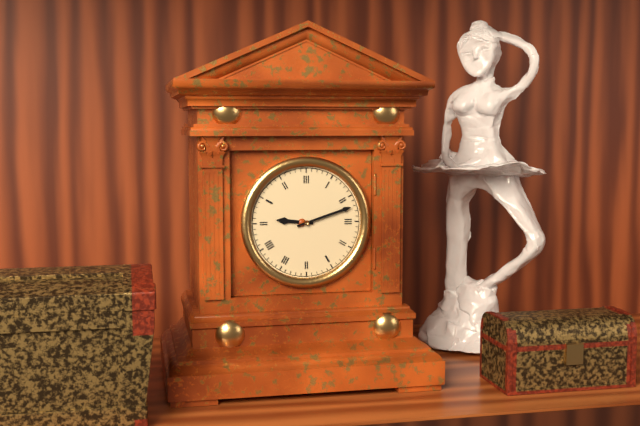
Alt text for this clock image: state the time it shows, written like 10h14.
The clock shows 9h12
